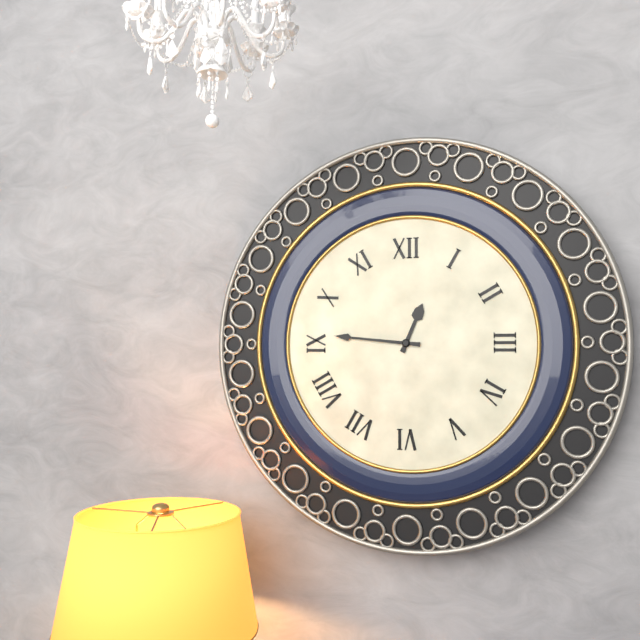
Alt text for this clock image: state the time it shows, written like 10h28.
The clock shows 12h46
